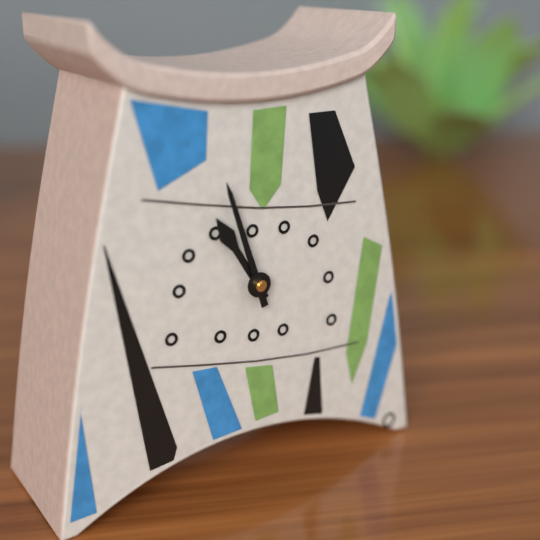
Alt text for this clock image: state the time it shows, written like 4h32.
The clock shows 10h57
